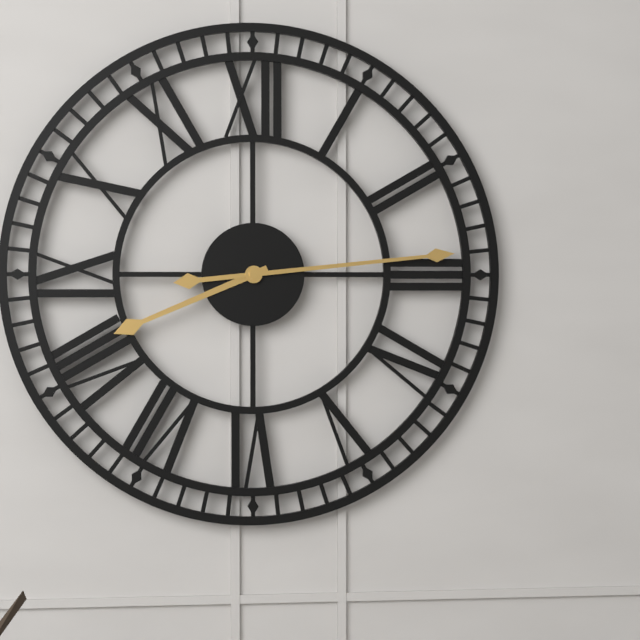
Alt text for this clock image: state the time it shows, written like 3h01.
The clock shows 8h14
